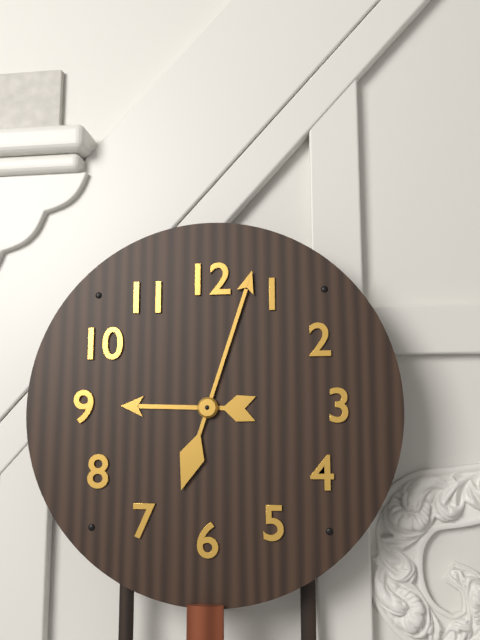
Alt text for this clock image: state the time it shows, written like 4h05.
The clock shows 9h03
